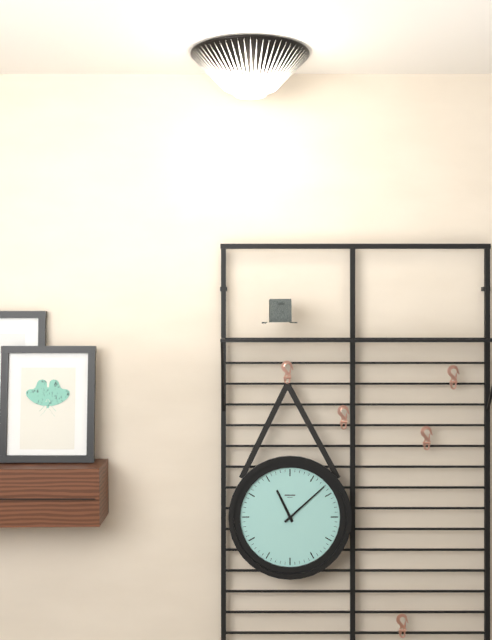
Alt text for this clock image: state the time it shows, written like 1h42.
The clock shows 11h08
